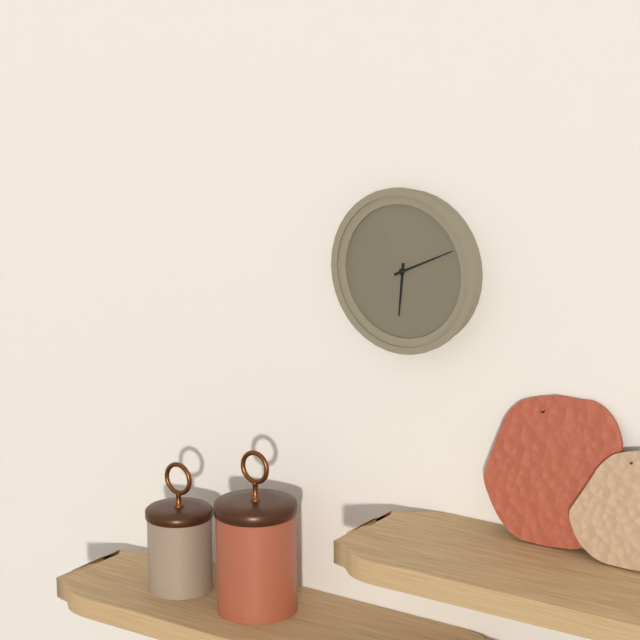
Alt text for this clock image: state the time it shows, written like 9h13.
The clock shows 6h11
